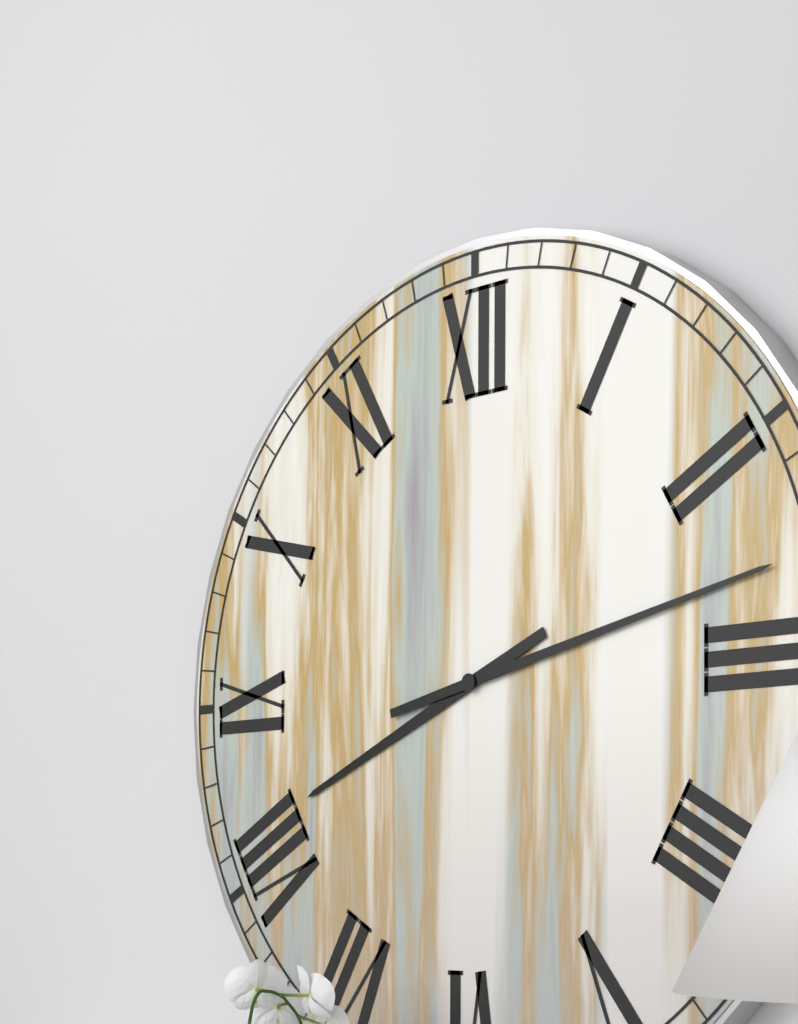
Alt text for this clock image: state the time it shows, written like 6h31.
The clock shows 8h13
